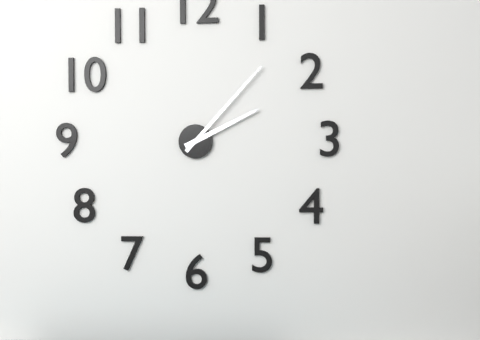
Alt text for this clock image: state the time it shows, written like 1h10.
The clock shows 2h07
